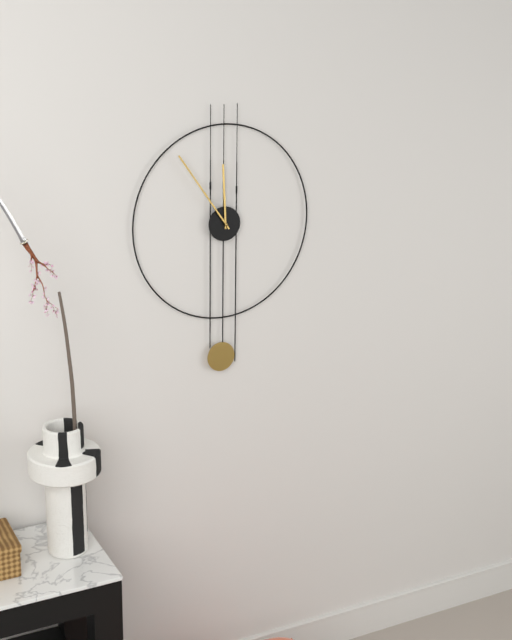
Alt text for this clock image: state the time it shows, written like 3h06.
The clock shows 11h54
